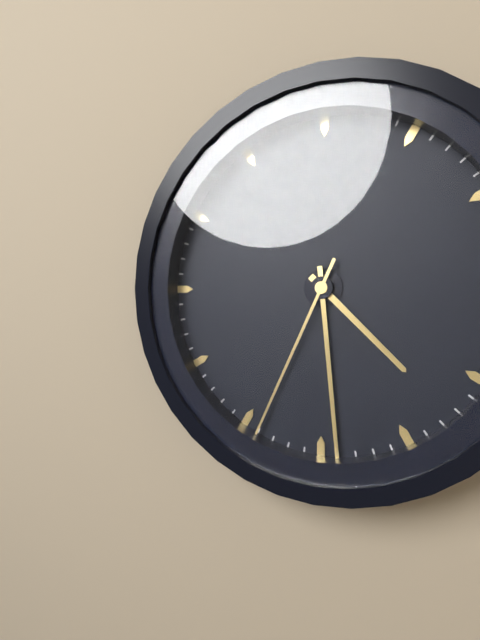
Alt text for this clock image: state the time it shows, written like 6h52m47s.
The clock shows 4h29m34s
